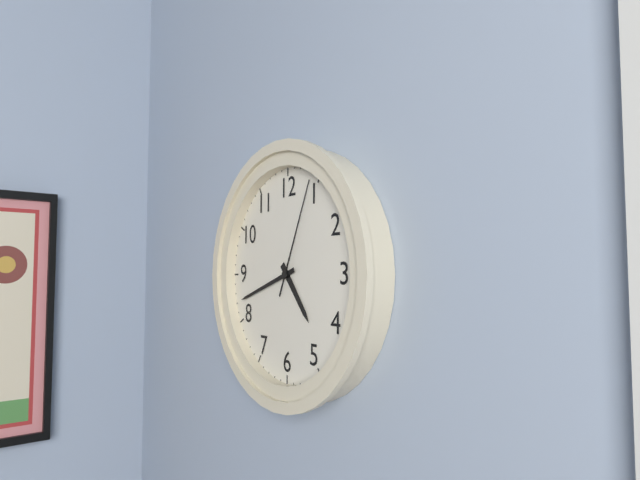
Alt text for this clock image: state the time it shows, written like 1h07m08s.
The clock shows 4h42m04s
